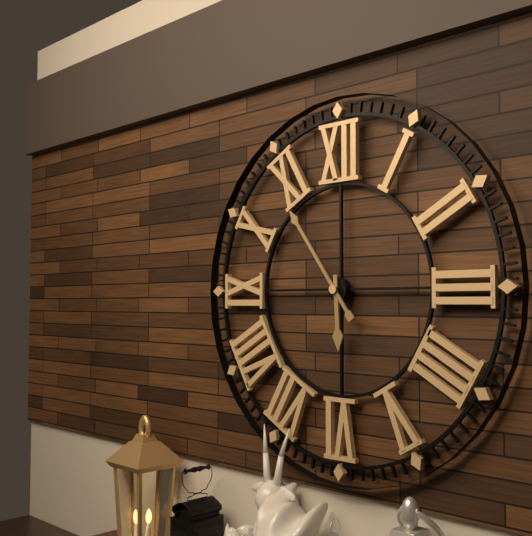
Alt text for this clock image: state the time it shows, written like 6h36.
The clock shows 5h54
